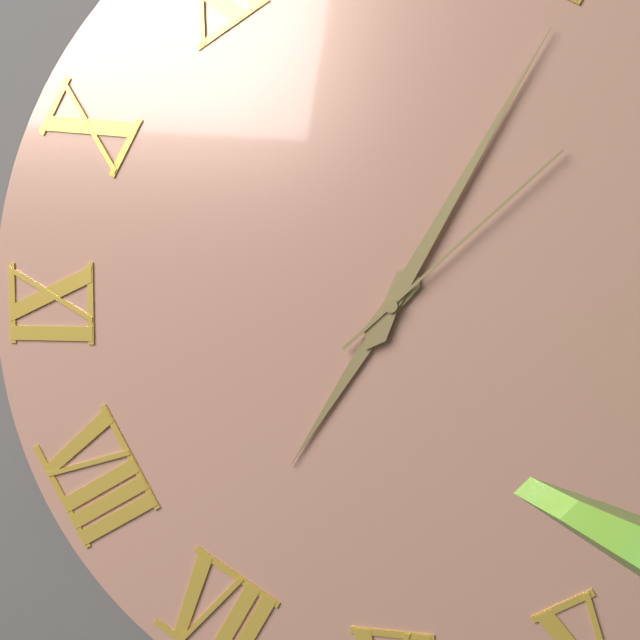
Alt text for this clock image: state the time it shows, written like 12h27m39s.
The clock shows 7h05m08s
